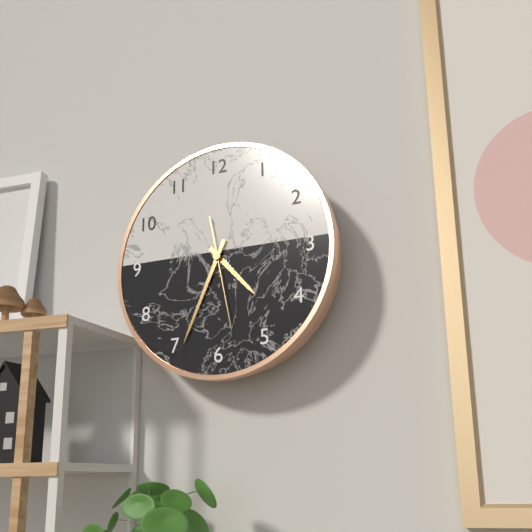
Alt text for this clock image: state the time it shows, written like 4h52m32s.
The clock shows 4h34m28s
